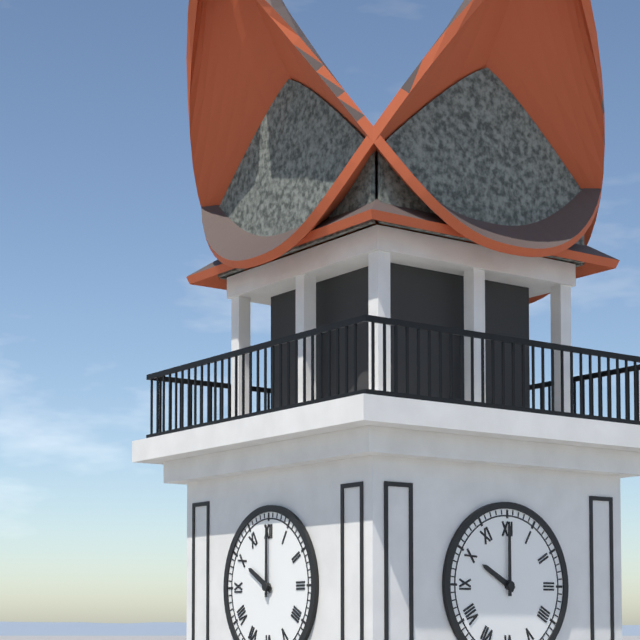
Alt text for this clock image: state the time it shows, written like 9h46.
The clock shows 10h00
